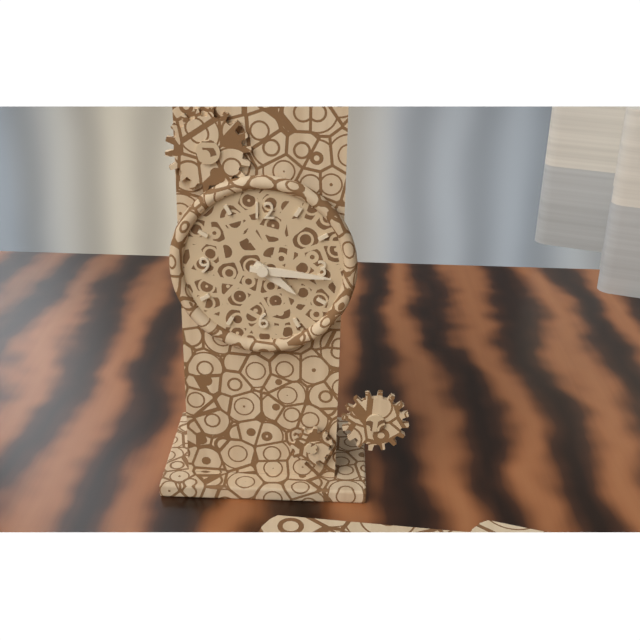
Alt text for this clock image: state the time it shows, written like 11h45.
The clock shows 4h16
